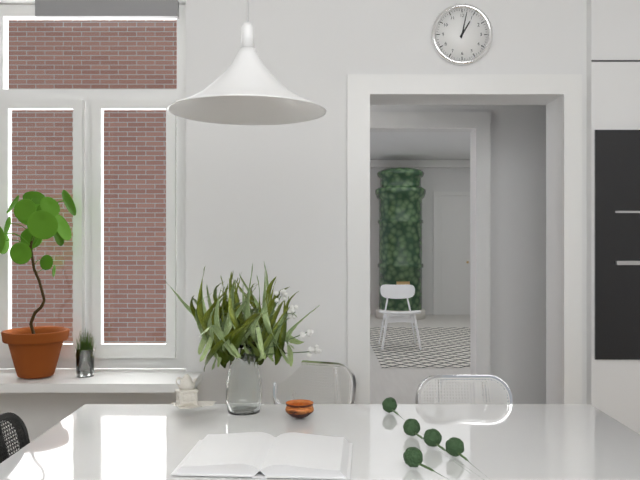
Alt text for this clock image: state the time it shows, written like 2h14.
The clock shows 1h02
